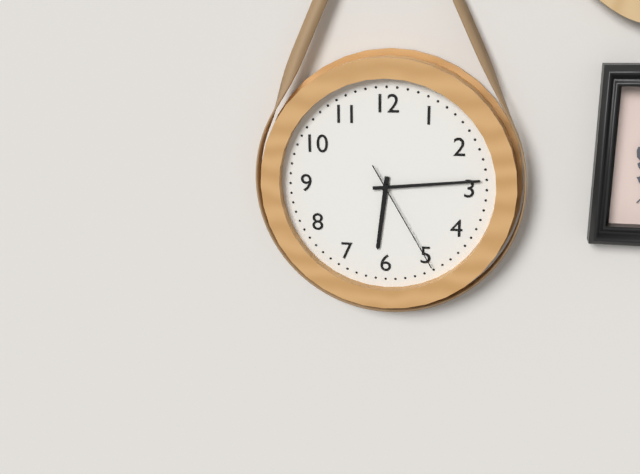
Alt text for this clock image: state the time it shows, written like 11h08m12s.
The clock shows 6h14m25s
